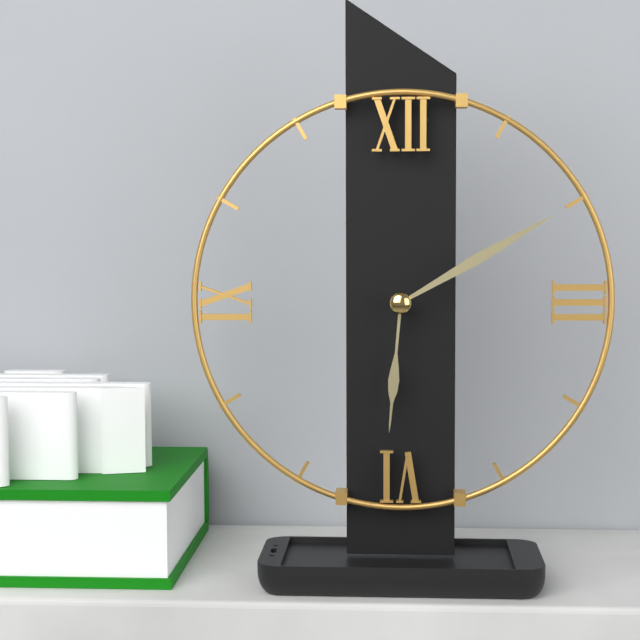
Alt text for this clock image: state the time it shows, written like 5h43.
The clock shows 6h10
